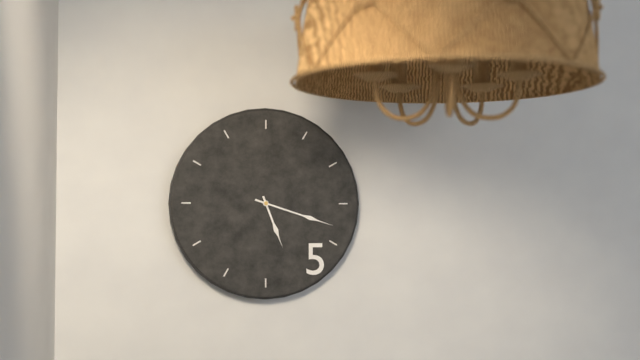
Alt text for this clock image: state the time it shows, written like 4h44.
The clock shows 5h18
